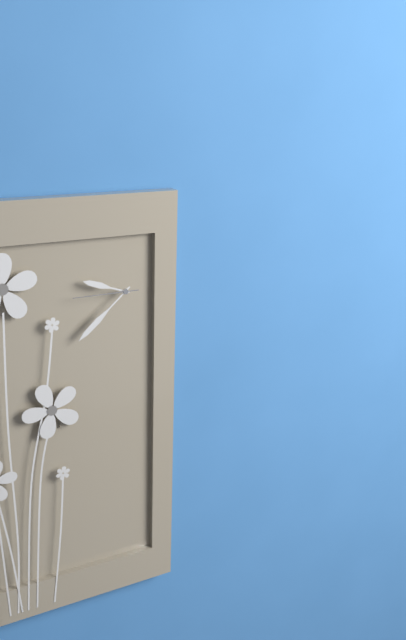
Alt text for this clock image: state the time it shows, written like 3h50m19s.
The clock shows 9h38m45s
